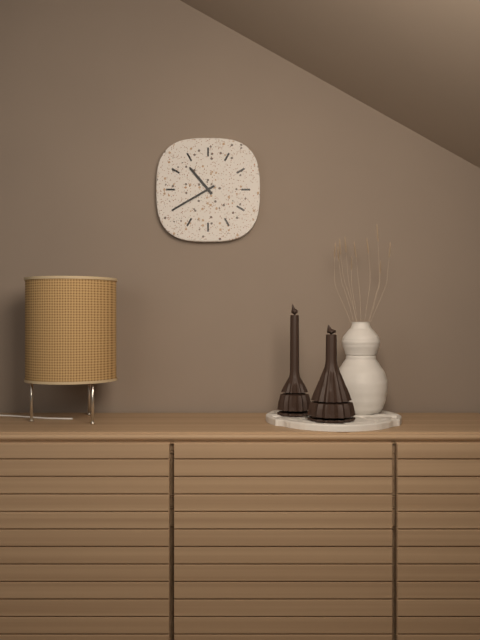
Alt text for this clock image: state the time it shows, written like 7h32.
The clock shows 10h40
